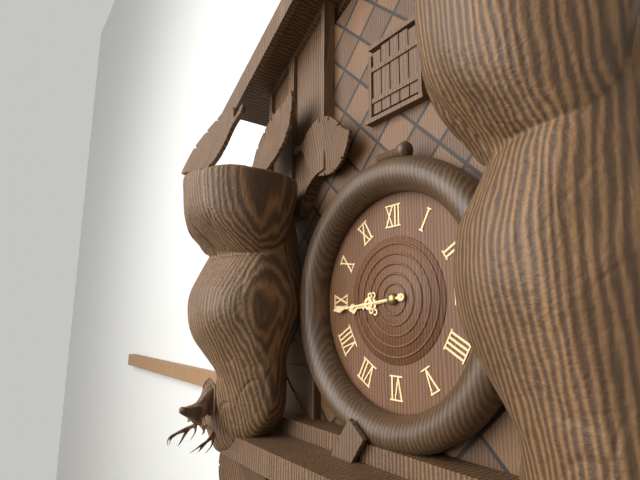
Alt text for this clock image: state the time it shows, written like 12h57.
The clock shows 8h44
